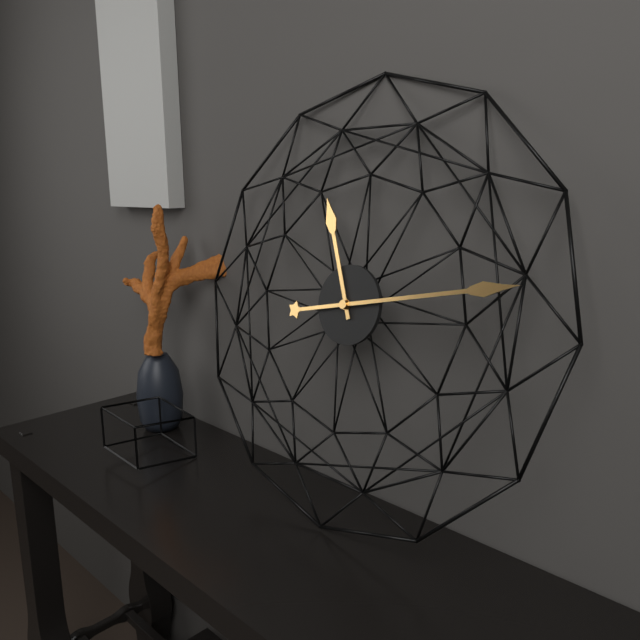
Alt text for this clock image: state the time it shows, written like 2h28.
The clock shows 11h13
